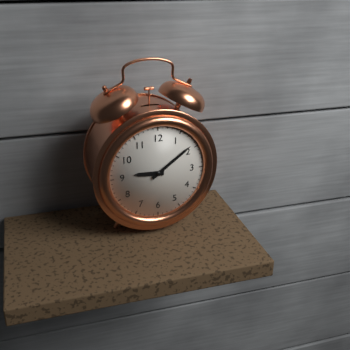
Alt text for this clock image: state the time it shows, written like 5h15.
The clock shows 9h09
